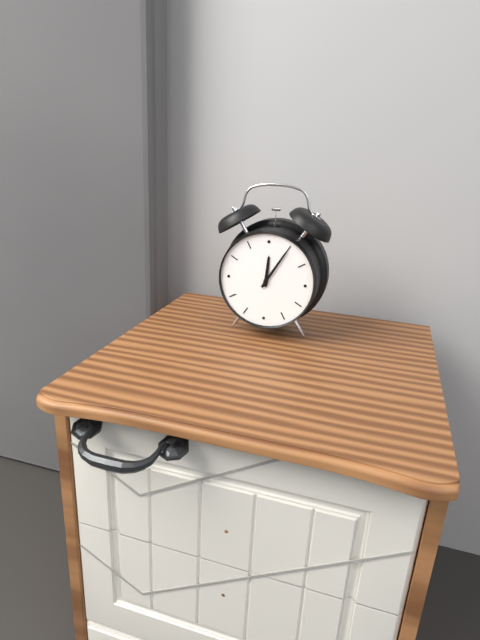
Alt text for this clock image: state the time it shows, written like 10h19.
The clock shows 12h05
